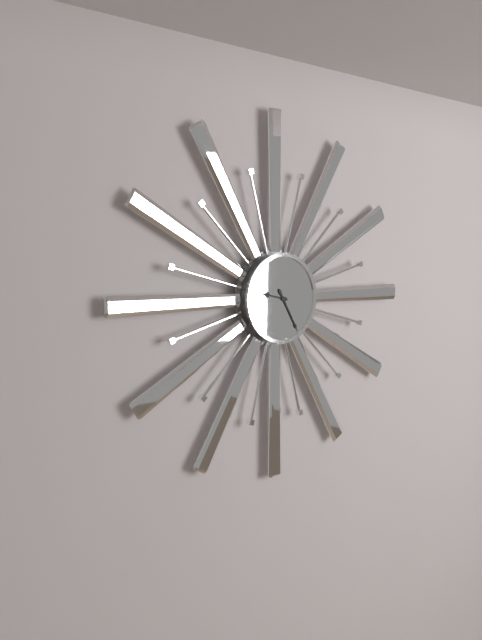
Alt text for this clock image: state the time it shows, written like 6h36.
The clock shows 9h25
